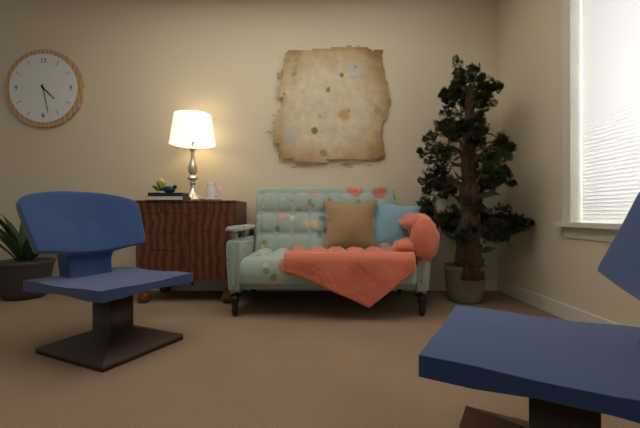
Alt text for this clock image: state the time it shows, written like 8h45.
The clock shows 4h28
